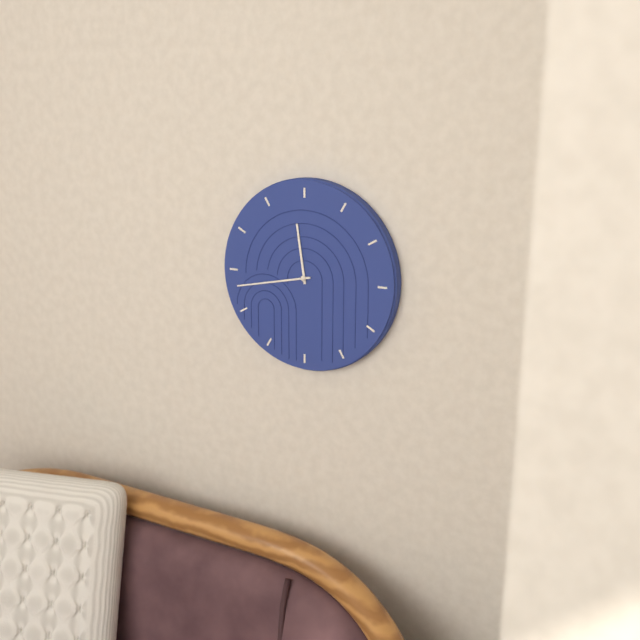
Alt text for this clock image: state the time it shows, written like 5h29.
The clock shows 11h43
